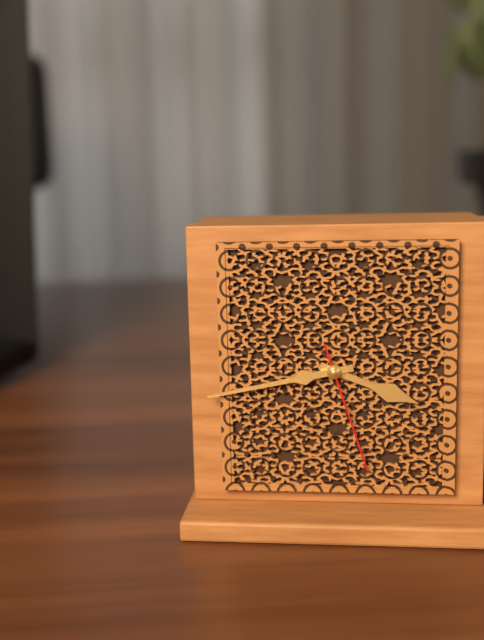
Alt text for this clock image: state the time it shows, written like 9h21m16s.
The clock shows 3h43m27s
